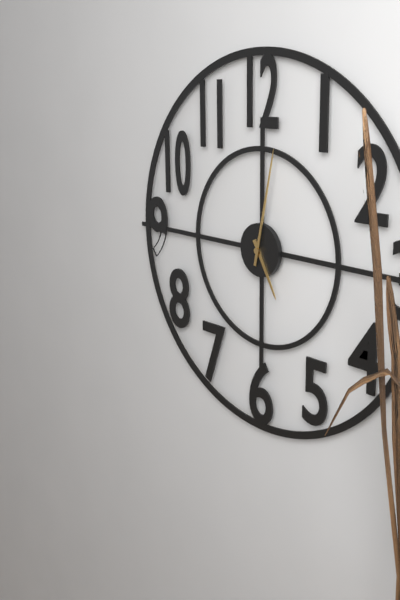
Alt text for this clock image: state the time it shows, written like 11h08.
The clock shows 5h02
